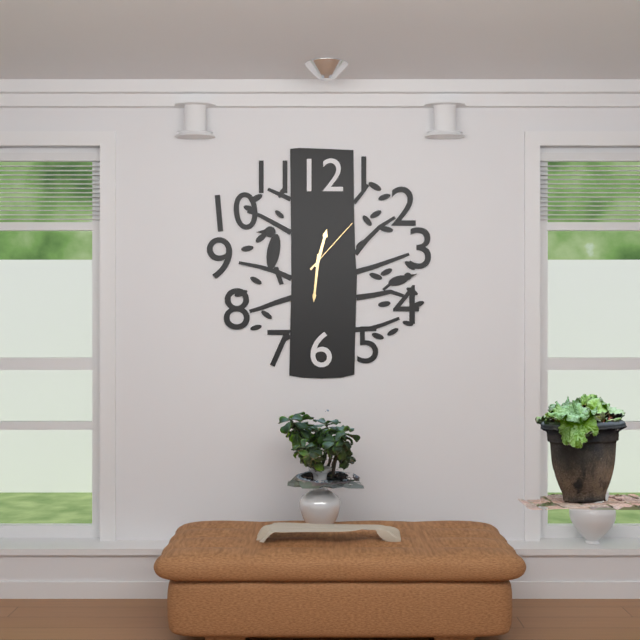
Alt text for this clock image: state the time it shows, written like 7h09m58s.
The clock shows 12h31m07s
